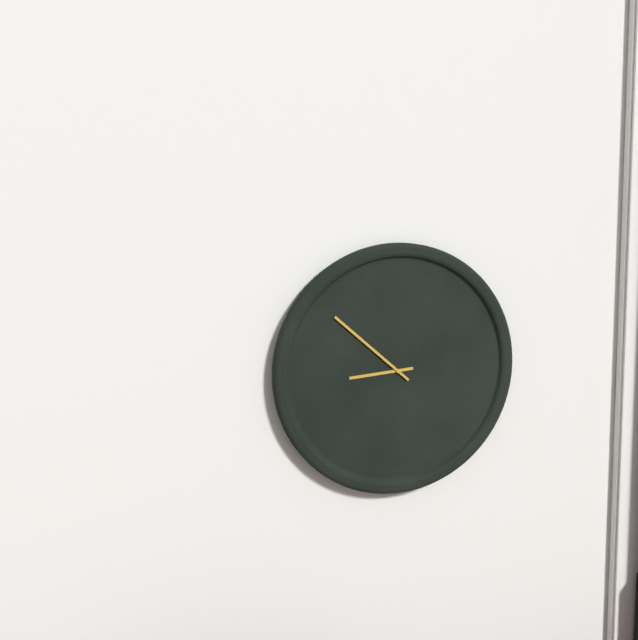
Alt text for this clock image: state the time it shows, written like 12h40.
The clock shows 8h52
